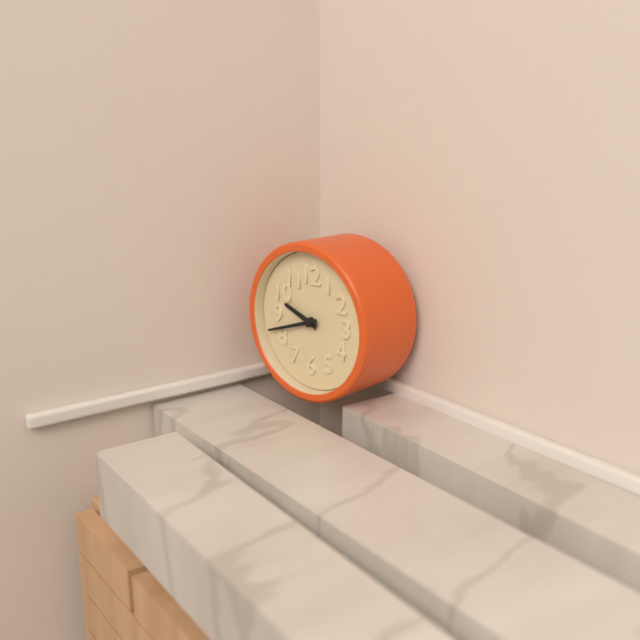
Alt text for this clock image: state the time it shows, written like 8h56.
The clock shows 9h42
